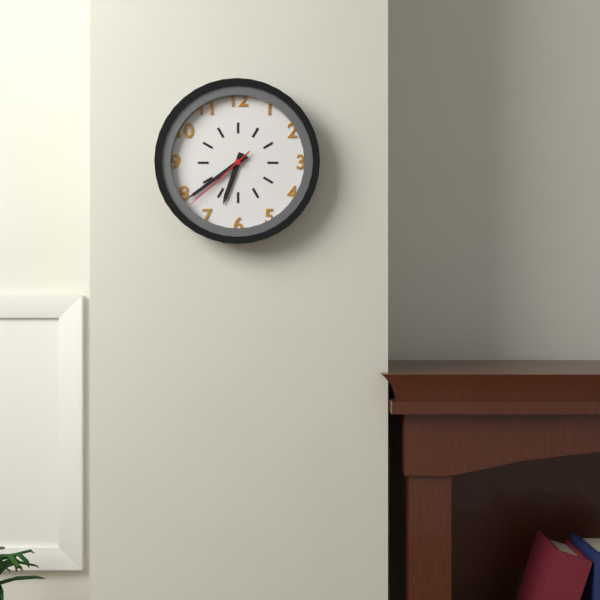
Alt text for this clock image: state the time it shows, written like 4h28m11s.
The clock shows 6h39m38s
